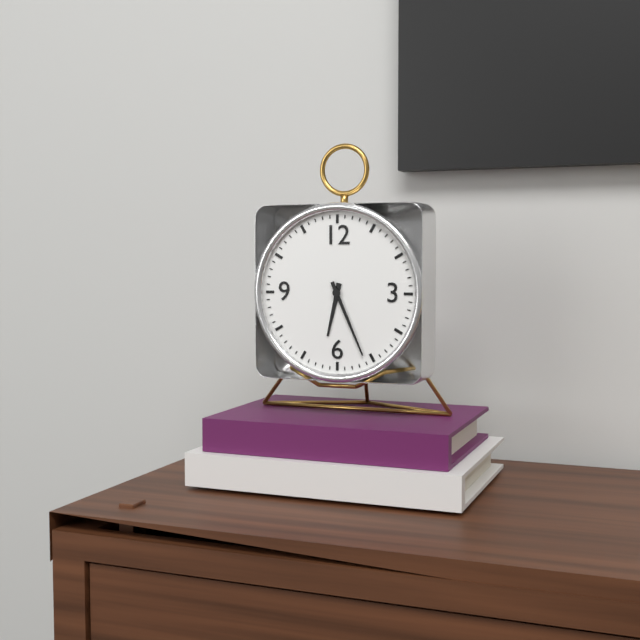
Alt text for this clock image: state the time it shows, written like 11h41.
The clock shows 6h26
